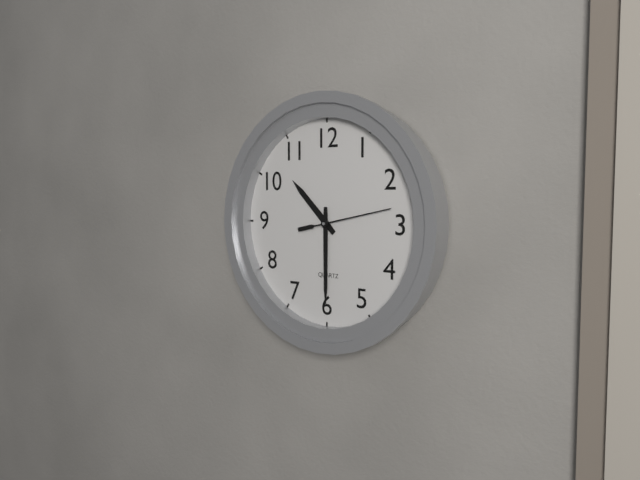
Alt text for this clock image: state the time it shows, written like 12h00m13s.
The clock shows 10h30m13s
